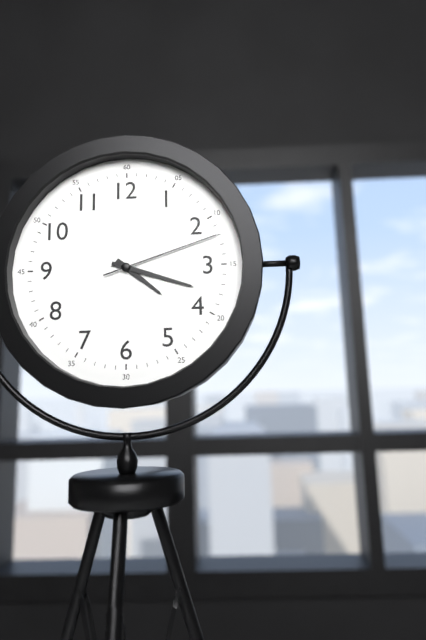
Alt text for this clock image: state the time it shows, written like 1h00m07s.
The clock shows 4h18m12s
